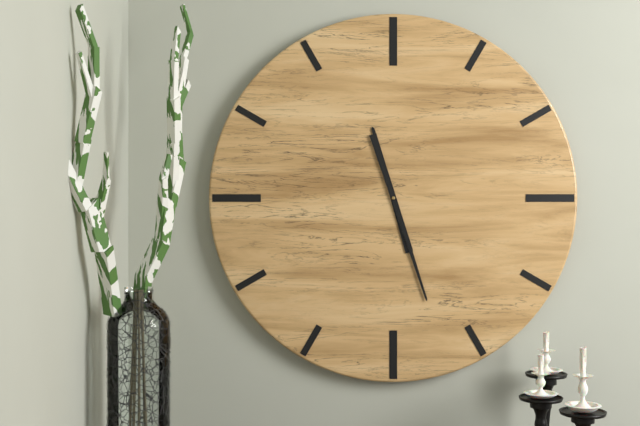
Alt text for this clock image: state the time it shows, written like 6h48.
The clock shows 11h27
